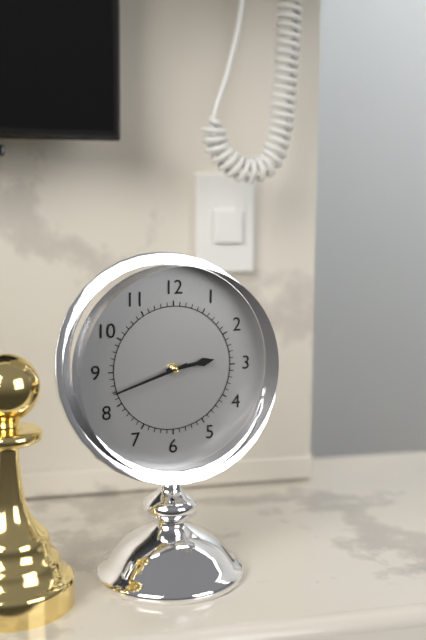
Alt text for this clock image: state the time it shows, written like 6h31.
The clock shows 2h42
